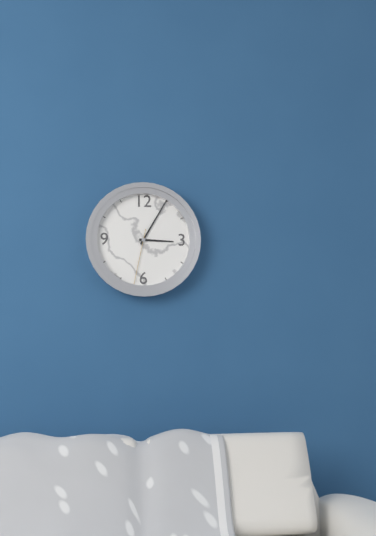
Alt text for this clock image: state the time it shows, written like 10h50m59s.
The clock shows 3h05m32s
